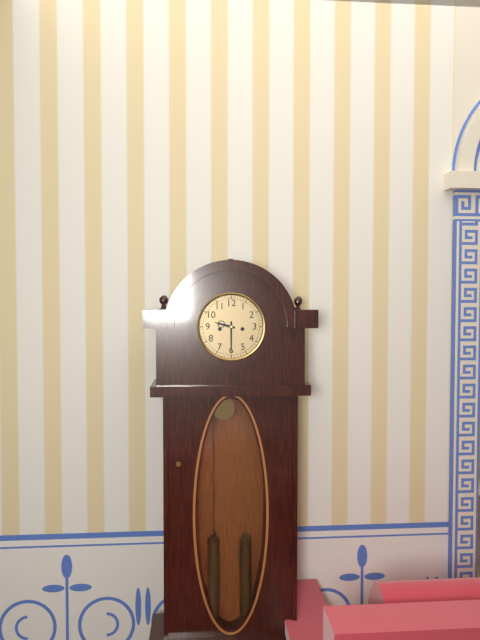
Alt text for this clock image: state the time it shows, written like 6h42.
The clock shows 9h30
